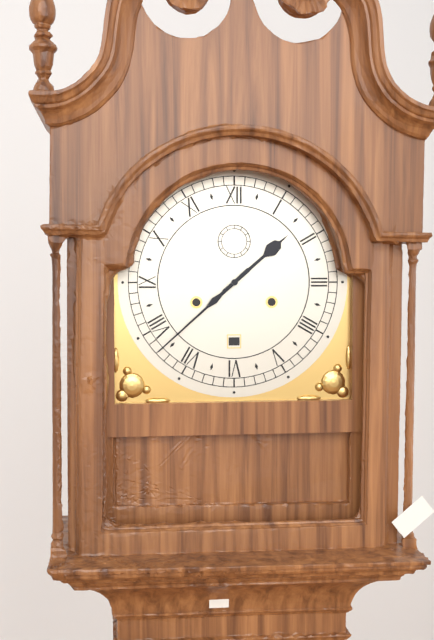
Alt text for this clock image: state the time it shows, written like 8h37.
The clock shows 1h38
